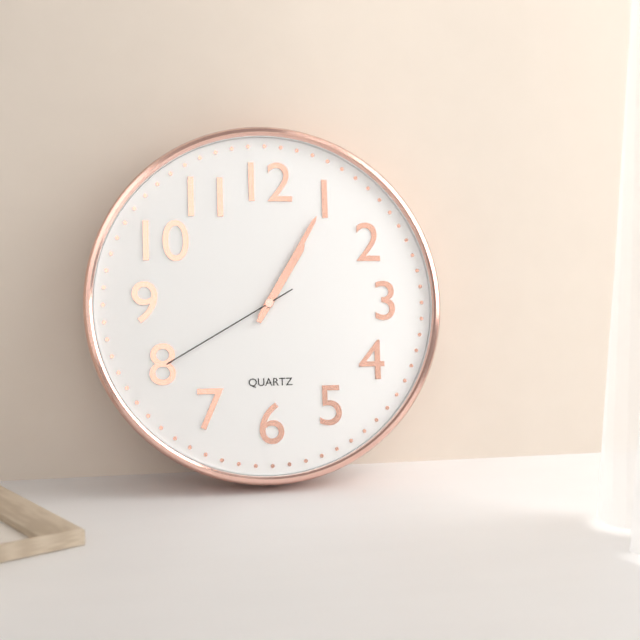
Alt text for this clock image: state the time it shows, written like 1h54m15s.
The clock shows 1h05m40s
